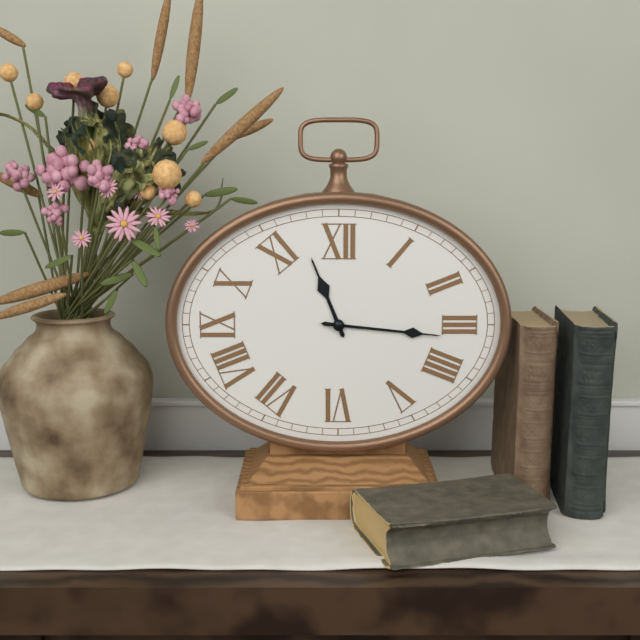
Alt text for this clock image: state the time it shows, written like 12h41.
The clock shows 11h16
